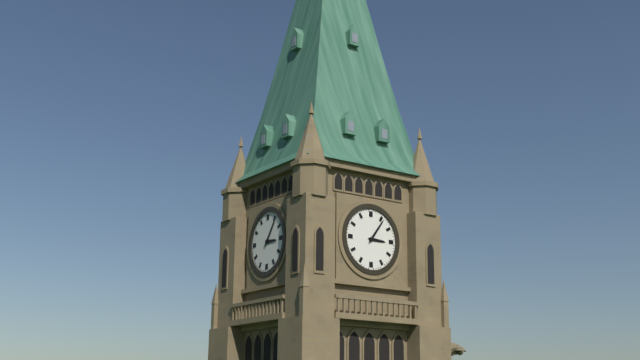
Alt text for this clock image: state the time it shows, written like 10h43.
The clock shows 3h06
